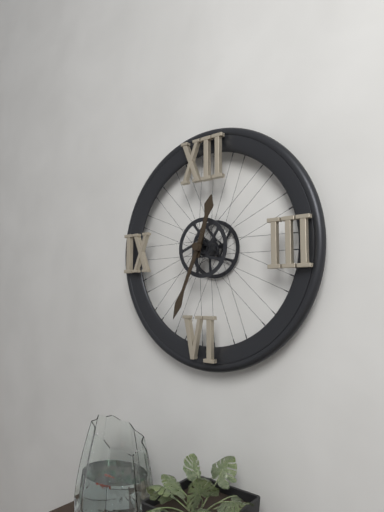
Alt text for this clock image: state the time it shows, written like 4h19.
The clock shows 12h34
